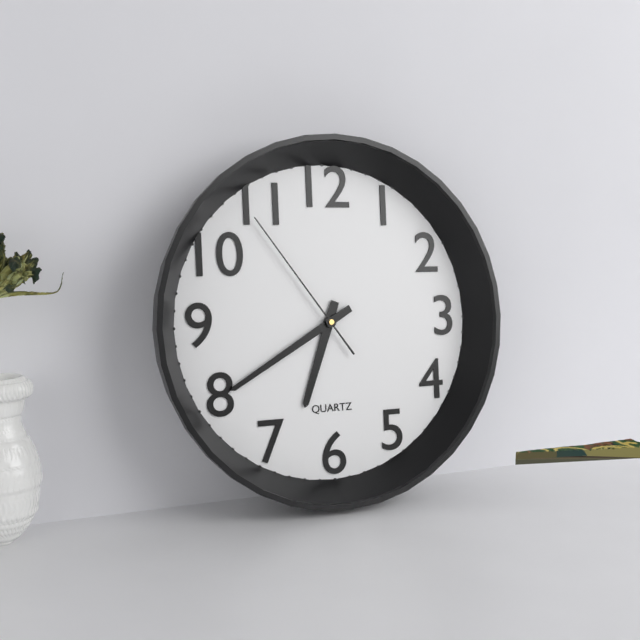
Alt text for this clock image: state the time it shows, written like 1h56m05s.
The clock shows 6h40m54s
